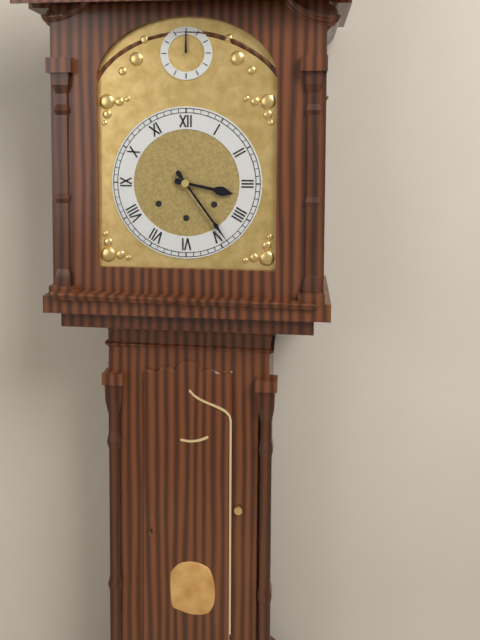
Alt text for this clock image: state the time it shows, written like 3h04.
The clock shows 3h24
